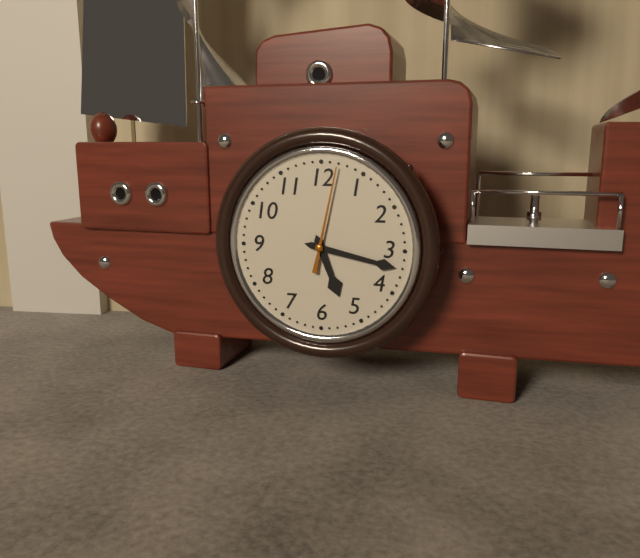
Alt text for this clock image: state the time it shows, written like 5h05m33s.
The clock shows 5h17m02s
